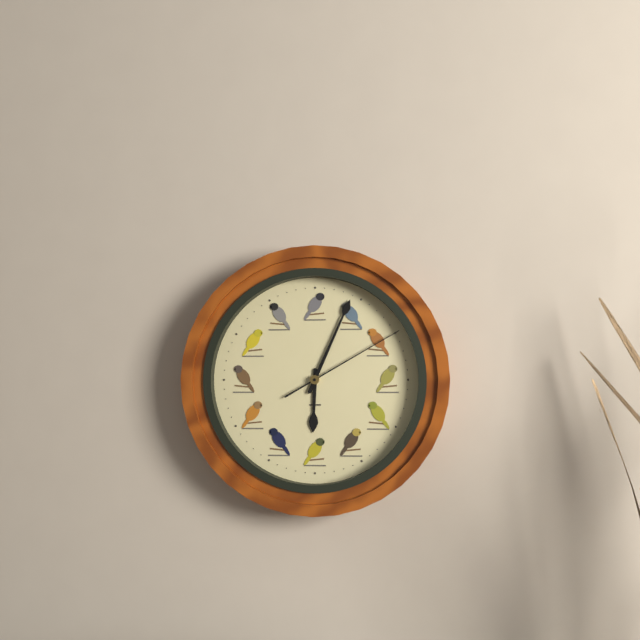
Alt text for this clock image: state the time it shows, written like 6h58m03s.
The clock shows 6h04m10s
